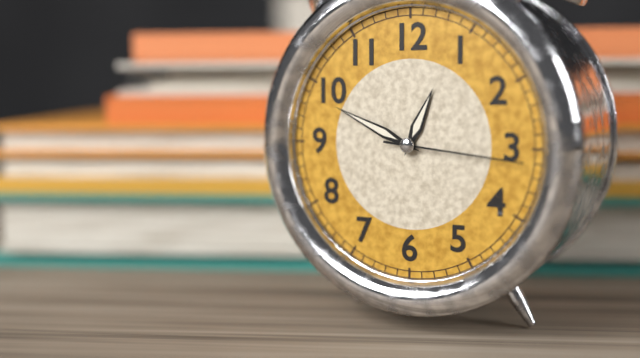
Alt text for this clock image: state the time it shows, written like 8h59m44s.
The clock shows 12h49m16s
